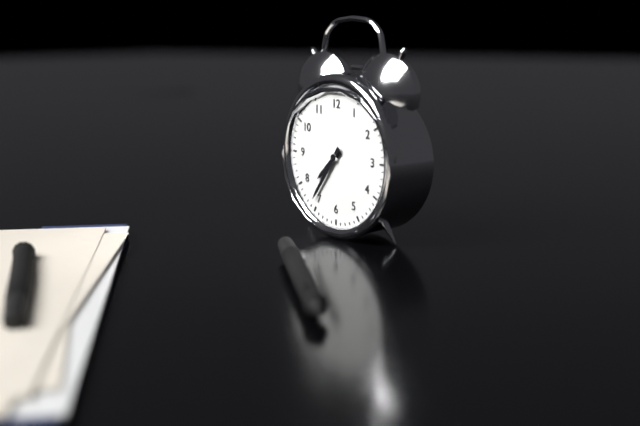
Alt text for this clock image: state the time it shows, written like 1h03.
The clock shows 7h36
